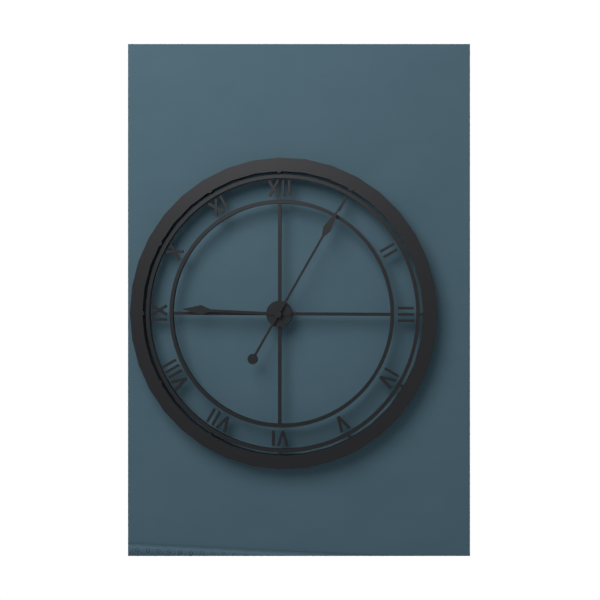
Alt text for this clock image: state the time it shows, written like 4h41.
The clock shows 9h05
